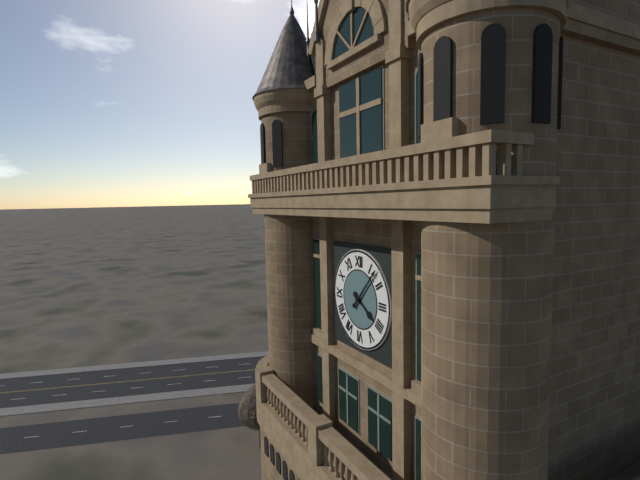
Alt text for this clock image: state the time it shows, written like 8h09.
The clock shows 4h07
